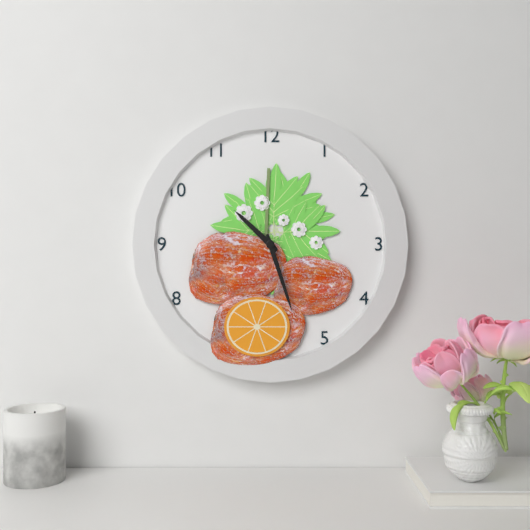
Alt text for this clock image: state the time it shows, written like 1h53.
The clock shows 10h27
